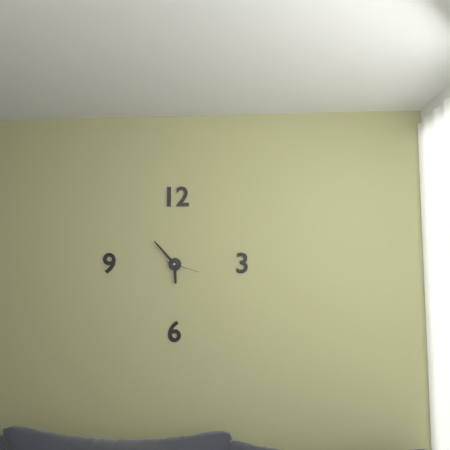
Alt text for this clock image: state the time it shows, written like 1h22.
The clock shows 5h53
